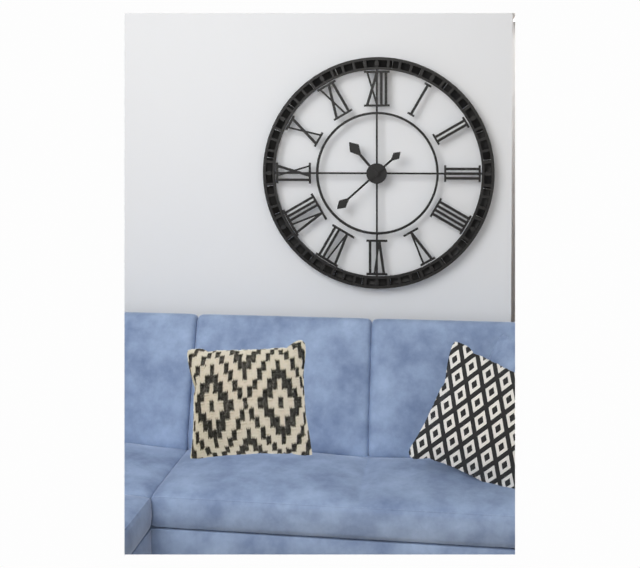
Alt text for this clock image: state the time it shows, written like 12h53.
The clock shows 10h38
